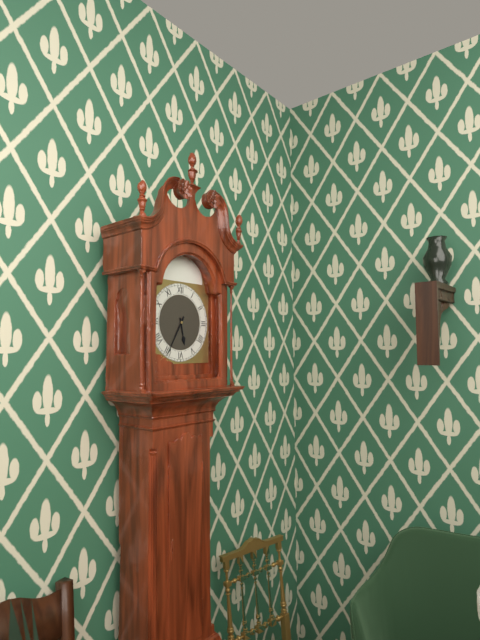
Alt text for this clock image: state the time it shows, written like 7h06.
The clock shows 5h35
